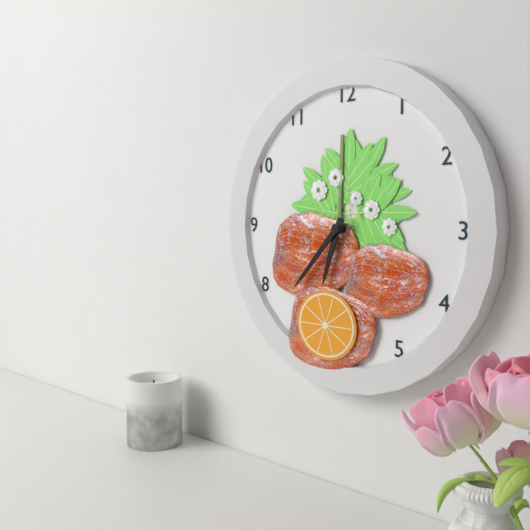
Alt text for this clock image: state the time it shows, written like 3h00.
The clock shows 6h37
